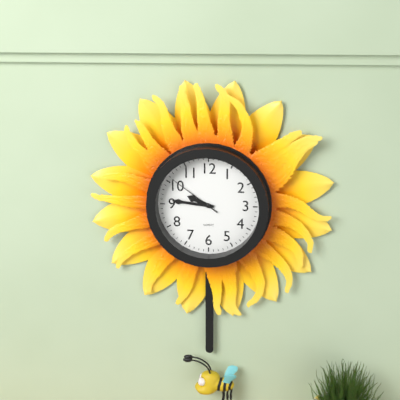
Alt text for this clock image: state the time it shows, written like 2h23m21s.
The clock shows 9h46m51s
